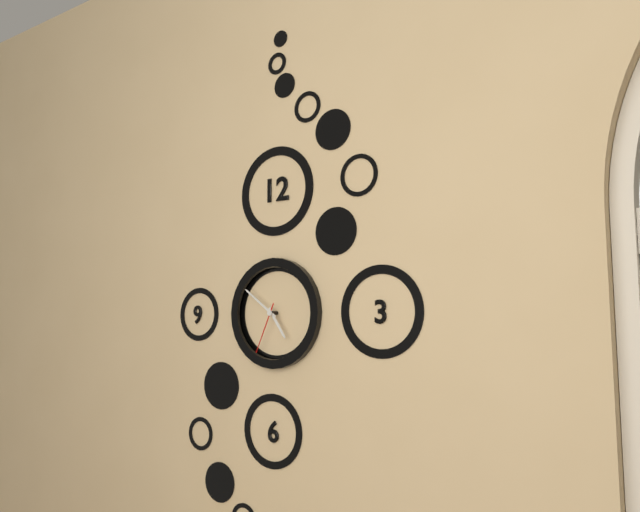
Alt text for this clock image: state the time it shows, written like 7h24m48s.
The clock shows 4h51m34s
